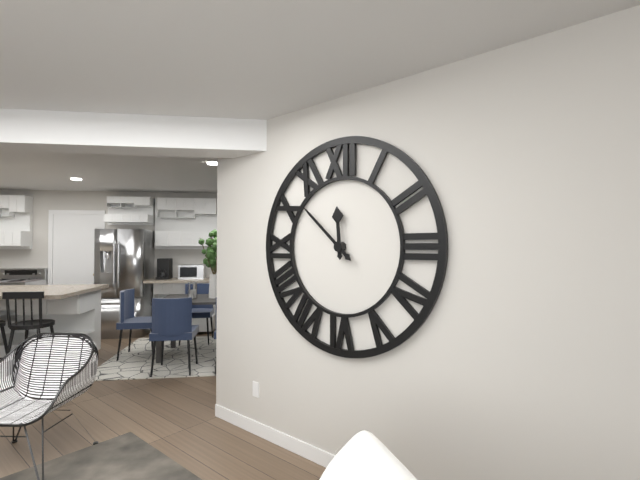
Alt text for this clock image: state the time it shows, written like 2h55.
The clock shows 11h52
